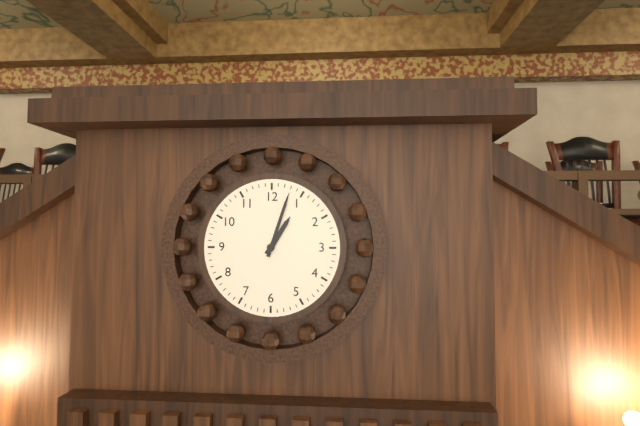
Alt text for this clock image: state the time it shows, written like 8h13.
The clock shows 1h03
